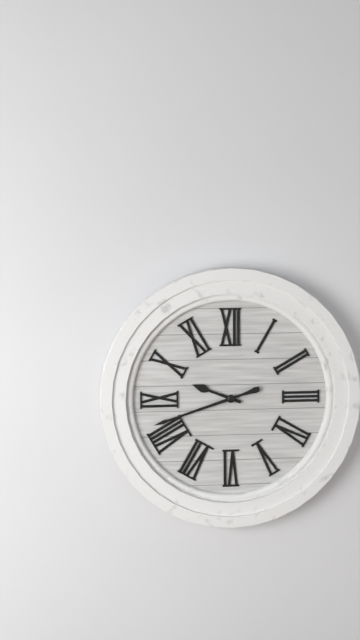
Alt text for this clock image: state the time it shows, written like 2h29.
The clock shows 9h42
